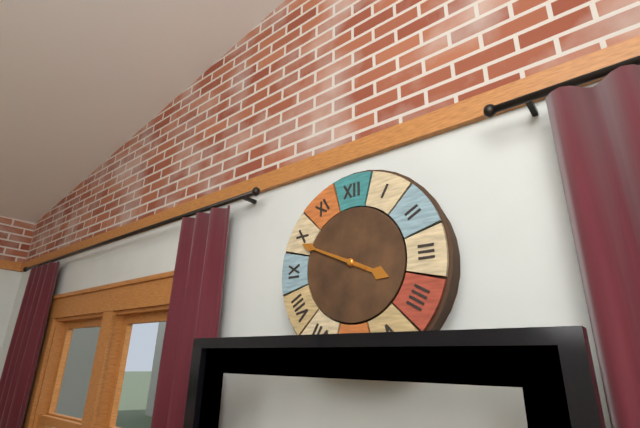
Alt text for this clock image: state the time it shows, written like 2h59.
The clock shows 3h49
